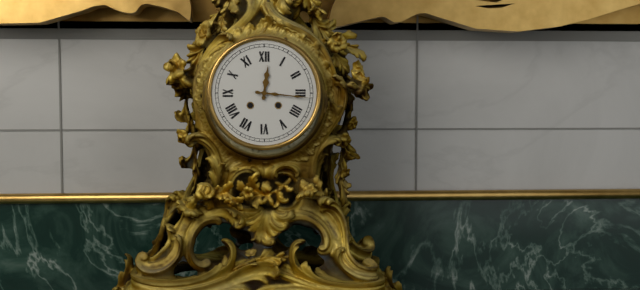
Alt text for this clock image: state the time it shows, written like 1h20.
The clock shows 12h16
